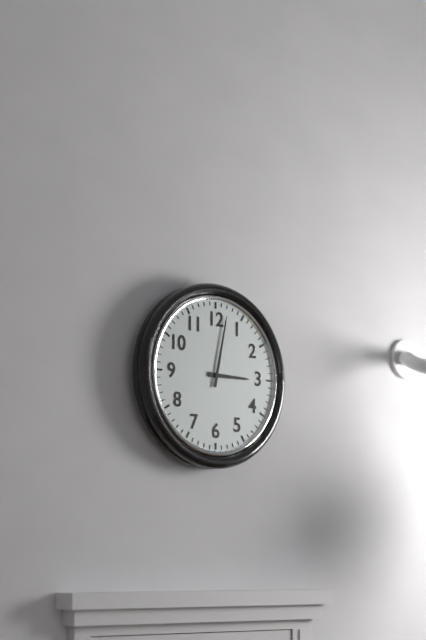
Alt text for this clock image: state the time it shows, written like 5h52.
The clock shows 3h02
